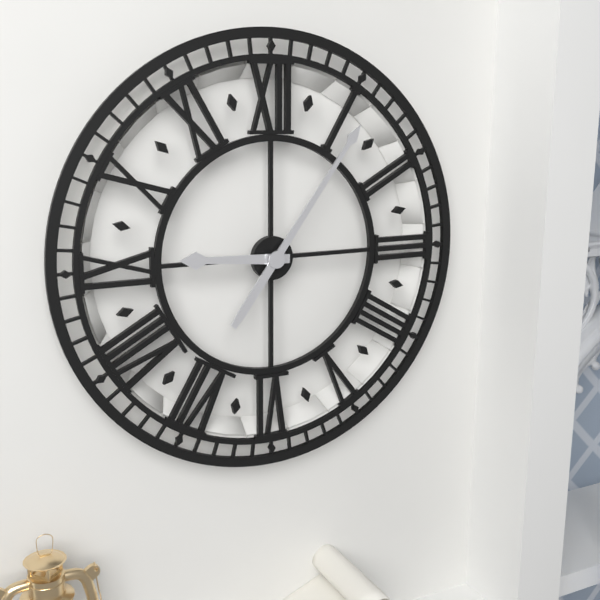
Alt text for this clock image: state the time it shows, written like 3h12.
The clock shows 9h06
